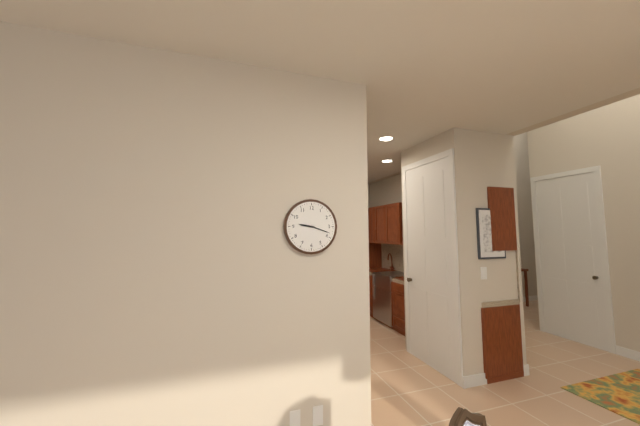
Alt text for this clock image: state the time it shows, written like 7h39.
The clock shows 9h18
